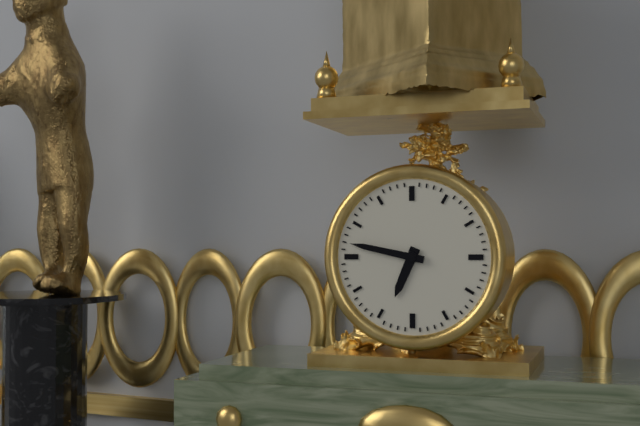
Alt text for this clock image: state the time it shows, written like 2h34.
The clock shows 6h47
